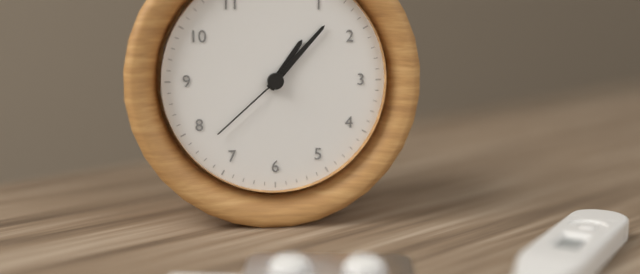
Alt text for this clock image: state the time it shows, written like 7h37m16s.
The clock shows 1h07m38s
